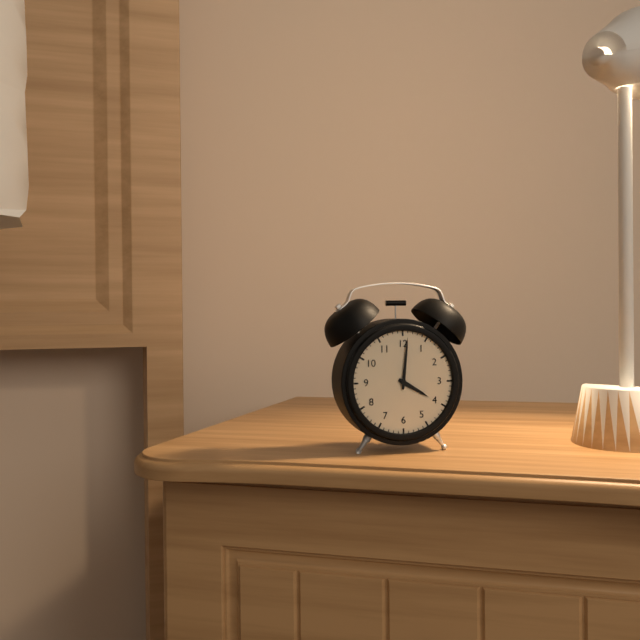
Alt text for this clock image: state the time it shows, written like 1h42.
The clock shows 4h01
